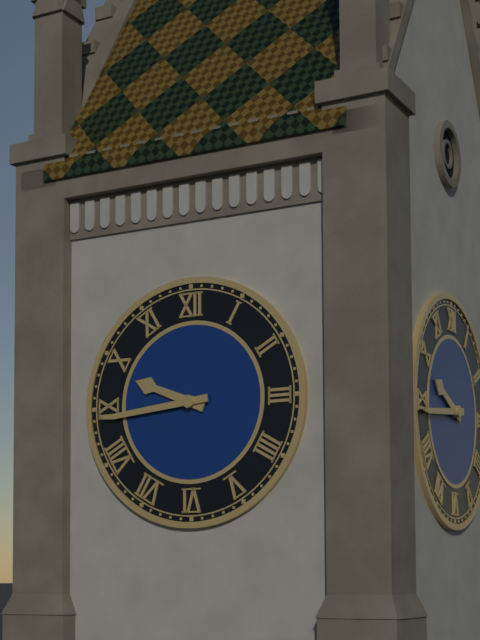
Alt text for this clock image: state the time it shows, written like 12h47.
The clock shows 9h44
